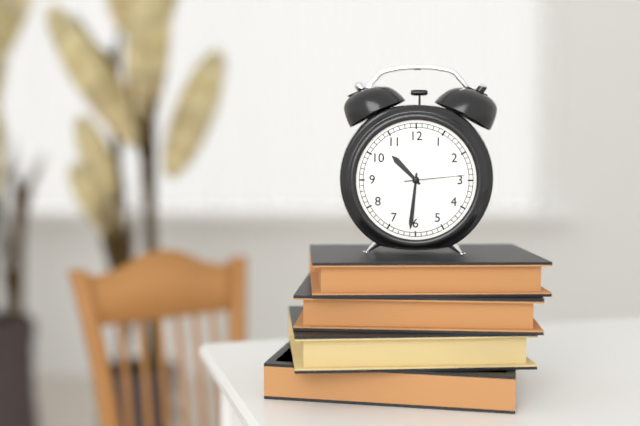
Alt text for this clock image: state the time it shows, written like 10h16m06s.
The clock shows 10h31m14s
